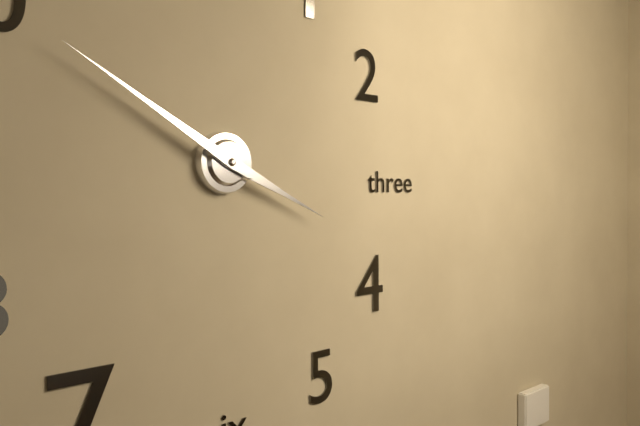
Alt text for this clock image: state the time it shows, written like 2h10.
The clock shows 3h50
